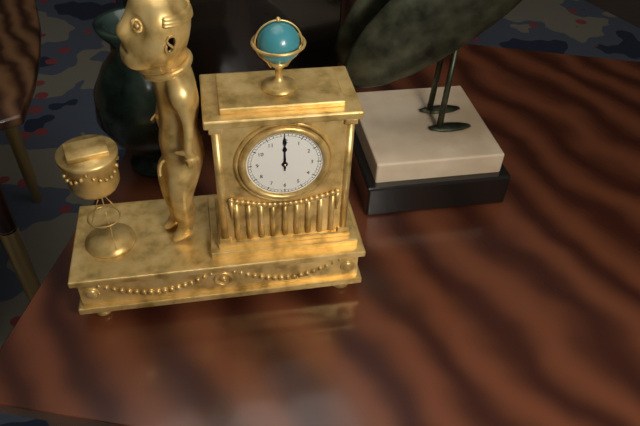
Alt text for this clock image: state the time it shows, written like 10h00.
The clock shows 12h00
